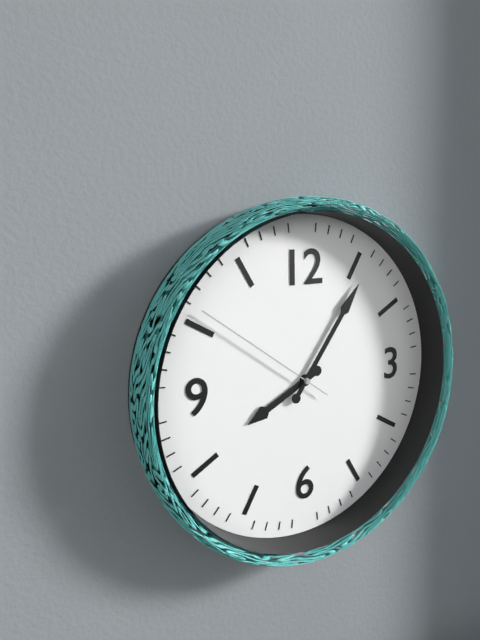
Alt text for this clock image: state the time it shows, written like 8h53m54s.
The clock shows 8h06m51s
